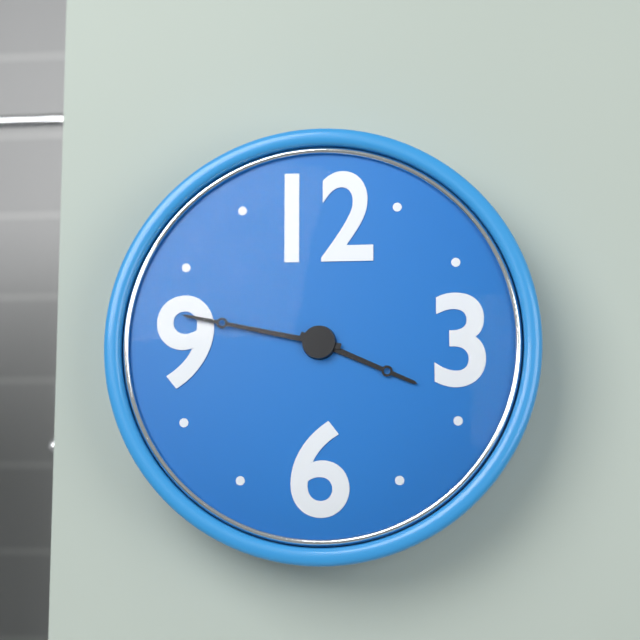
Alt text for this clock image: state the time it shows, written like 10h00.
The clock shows 3h47
